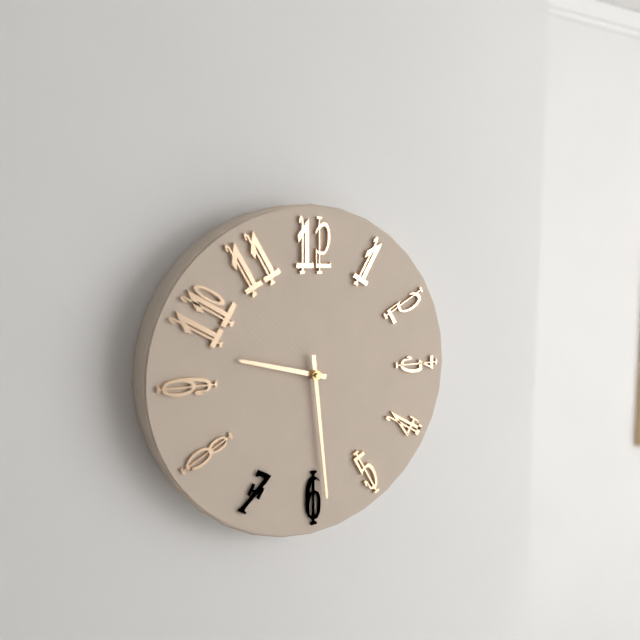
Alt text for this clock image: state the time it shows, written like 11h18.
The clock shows 9h29
